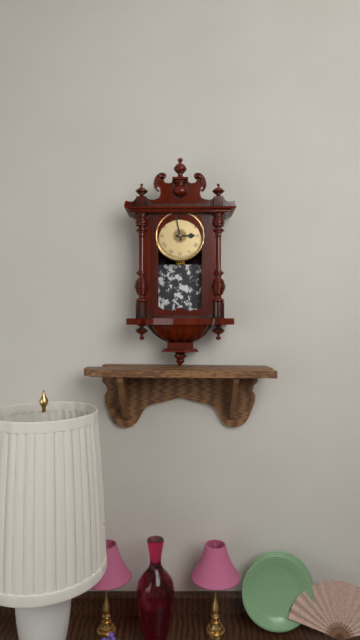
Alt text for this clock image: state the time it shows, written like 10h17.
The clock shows 2h58
